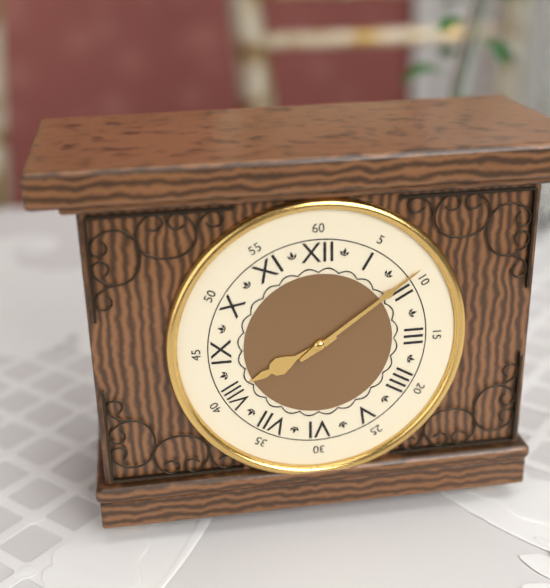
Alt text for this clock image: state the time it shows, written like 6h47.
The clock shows 8h09
